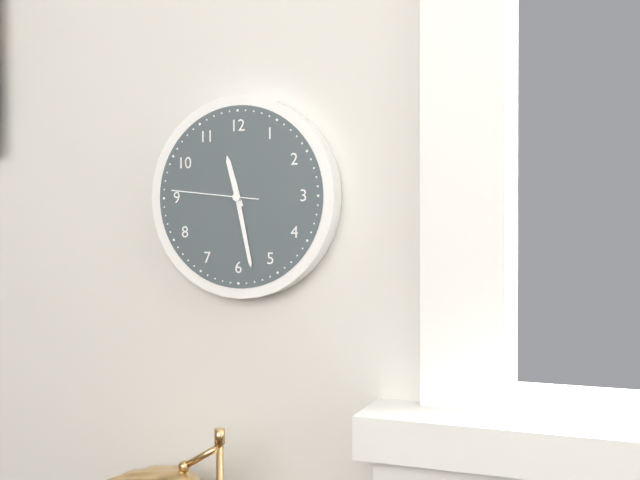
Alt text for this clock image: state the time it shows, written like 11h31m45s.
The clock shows 11h28m46s
